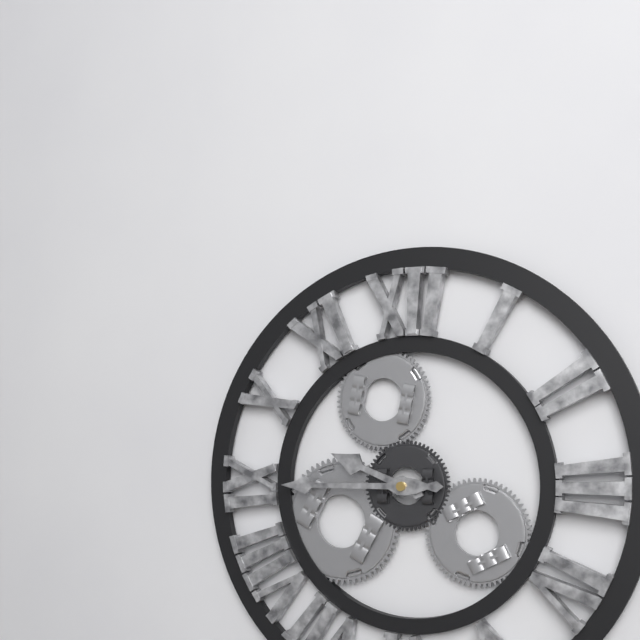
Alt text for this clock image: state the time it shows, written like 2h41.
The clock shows 9h45
